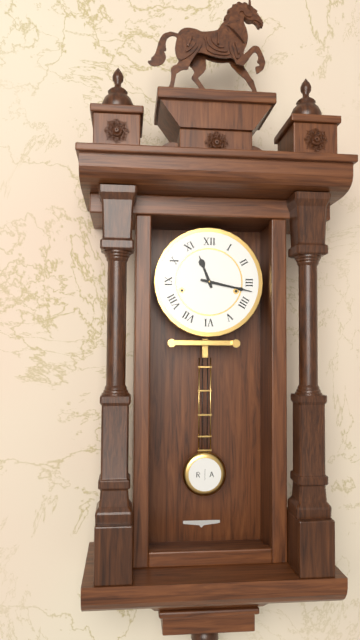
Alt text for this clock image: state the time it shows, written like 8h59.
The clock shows 11h17
